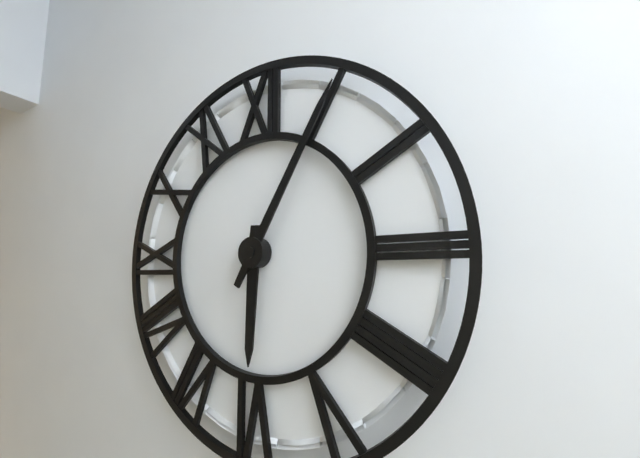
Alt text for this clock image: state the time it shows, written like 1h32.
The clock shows 6h05
